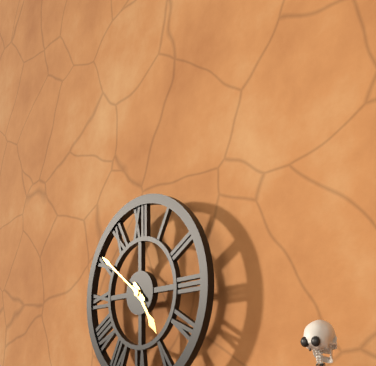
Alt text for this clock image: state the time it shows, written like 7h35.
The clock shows 4h51
